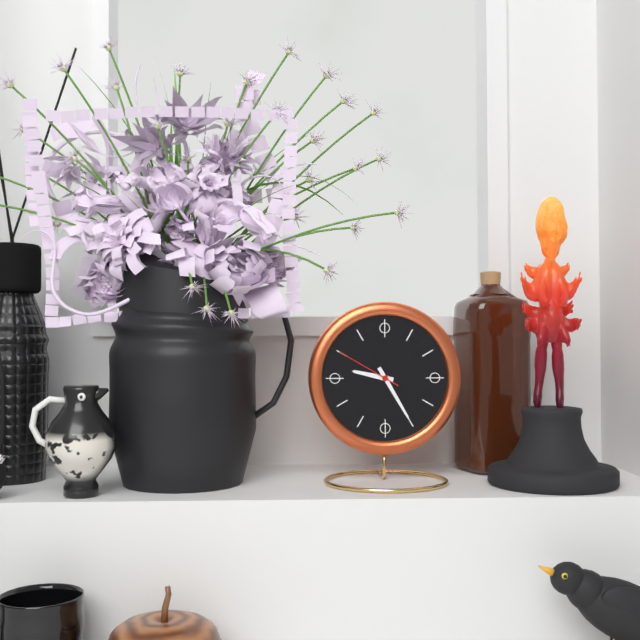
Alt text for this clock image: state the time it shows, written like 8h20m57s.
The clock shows 9h25m50s
